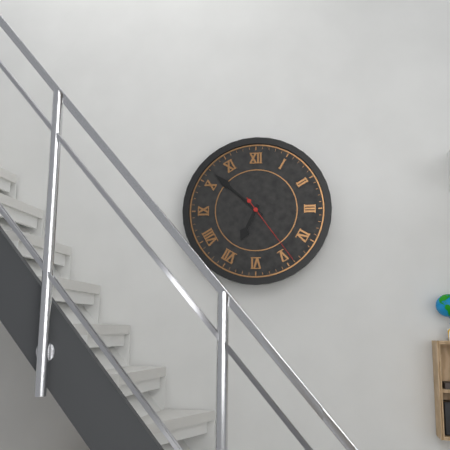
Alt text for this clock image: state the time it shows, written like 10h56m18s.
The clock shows 6h52m24s
